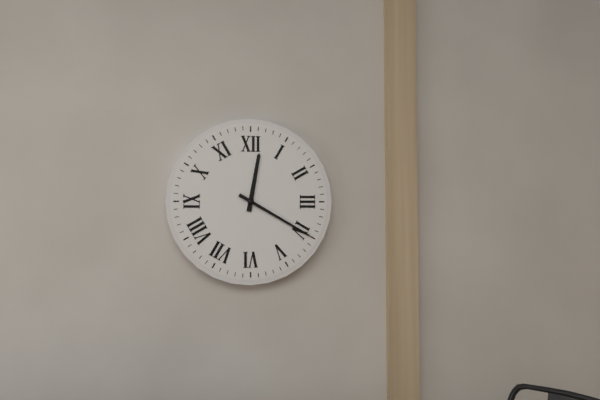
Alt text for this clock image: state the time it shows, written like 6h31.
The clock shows 12h20
